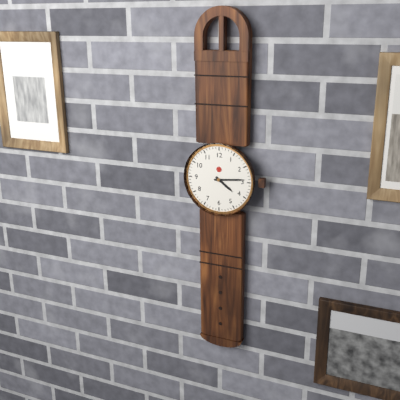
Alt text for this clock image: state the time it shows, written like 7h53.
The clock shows 4h14
